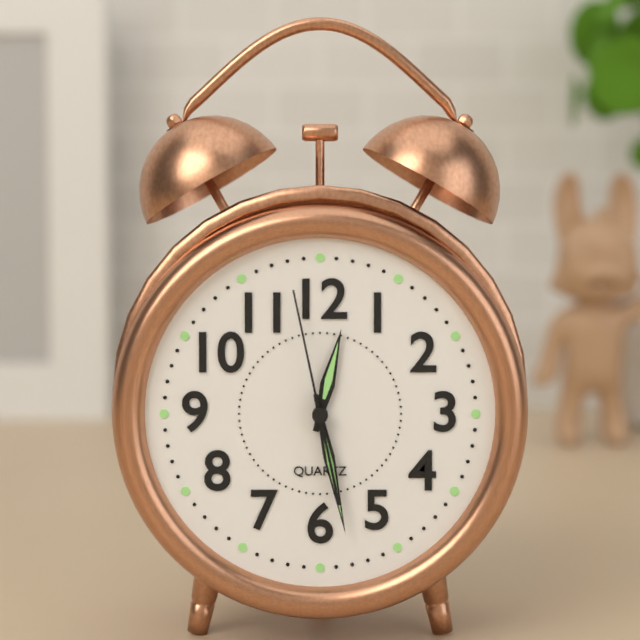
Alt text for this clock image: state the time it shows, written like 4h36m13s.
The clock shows 12h28m58s
